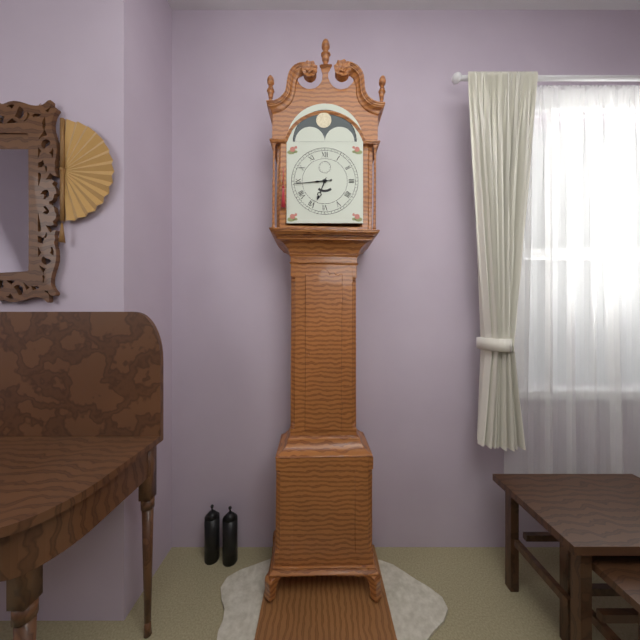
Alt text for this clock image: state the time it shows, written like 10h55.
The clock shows 6h44
